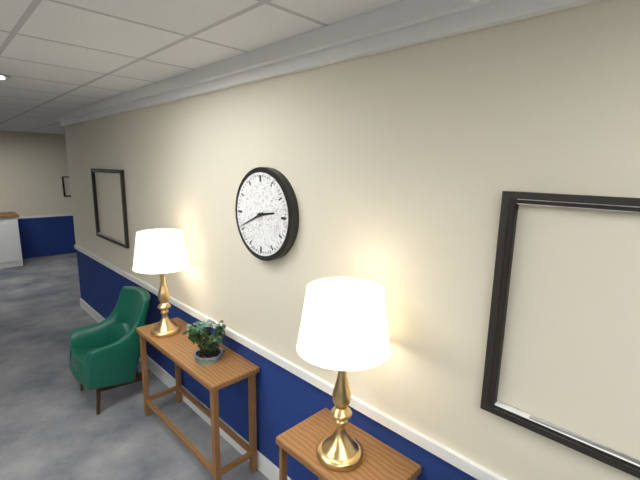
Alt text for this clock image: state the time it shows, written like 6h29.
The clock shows 2h41
